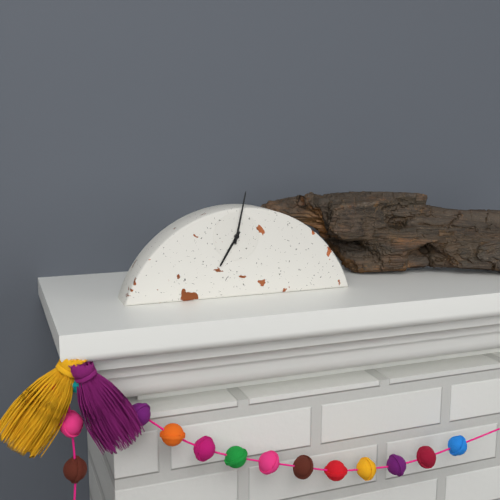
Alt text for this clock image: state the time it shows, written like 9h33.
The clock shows 7h02
